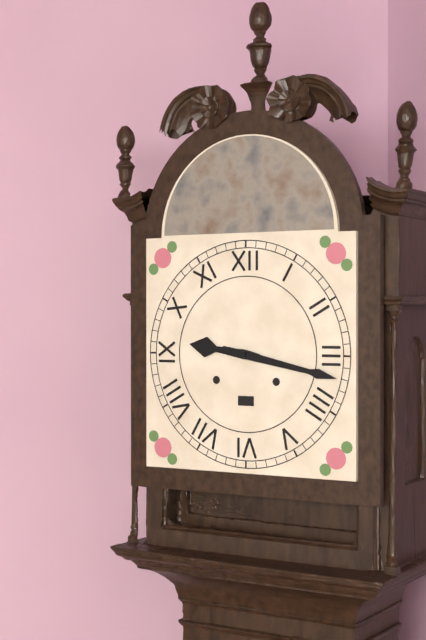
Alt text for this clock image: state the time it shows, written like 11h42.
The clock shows 9h17
